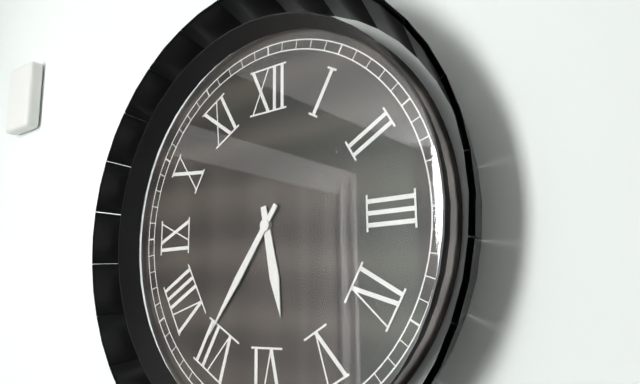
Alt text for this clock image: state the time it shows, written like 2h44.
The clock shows 5h36
